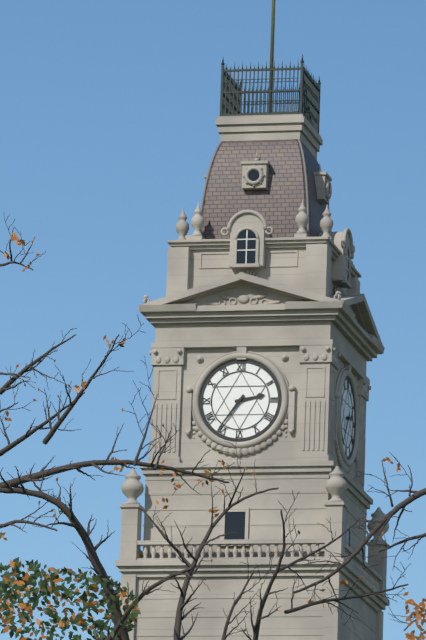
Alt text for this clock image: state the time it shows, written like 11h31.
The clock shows 2h36
